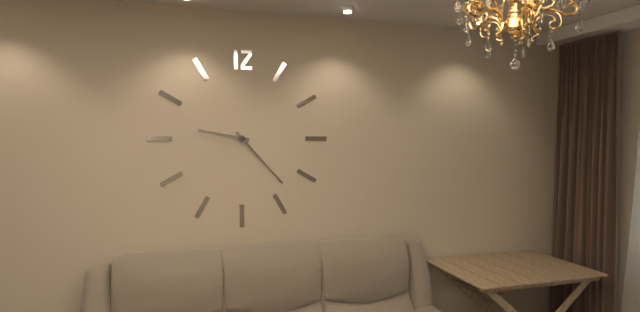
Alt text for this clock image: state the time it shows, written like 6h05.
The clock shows 9h23
